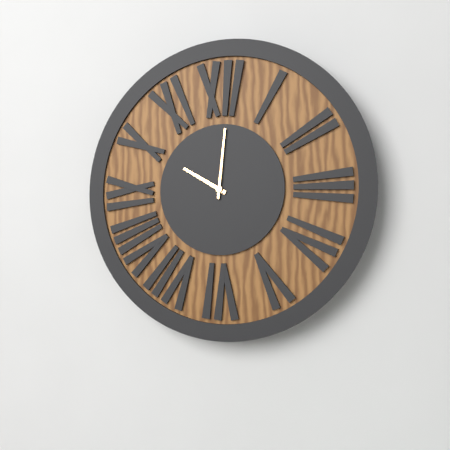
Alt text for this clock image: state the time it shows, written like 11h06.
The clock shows 10h01
